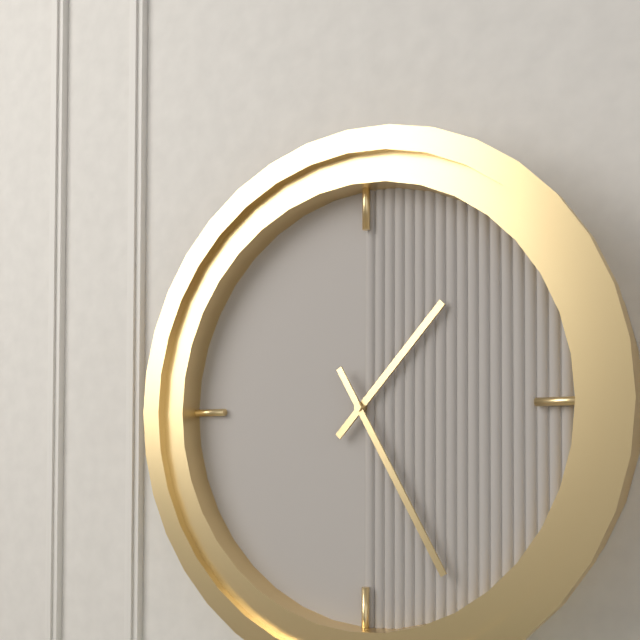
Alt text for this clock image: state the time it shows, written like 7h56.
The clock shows 1h25
